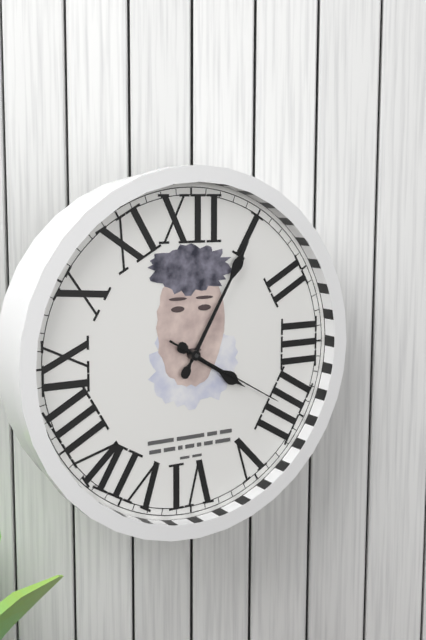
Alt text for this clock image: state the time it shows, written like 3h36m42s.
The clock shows 4h05m20s
